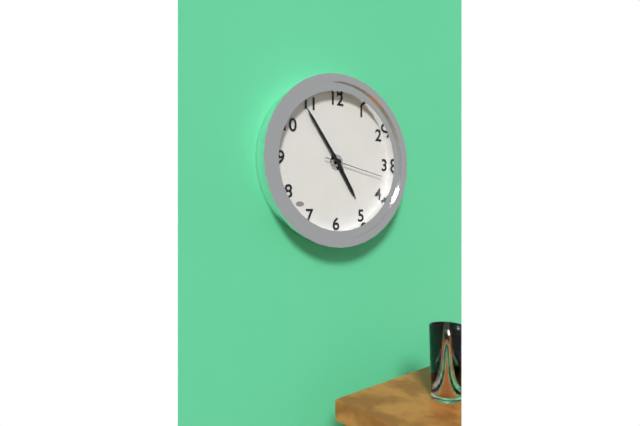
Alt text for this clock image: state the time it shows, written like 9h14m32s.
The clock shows 4h54m17s
